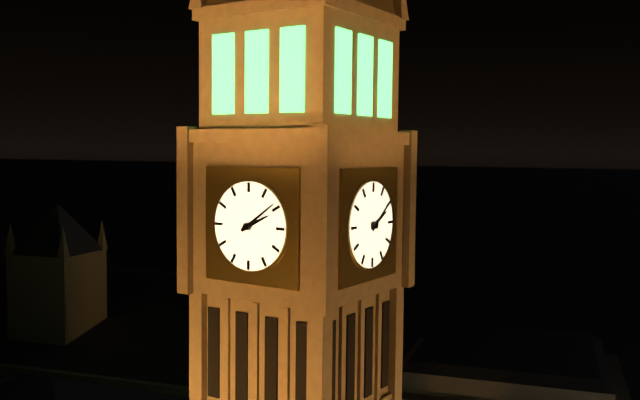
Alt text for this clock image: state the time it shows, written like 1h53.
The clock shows 2h09
